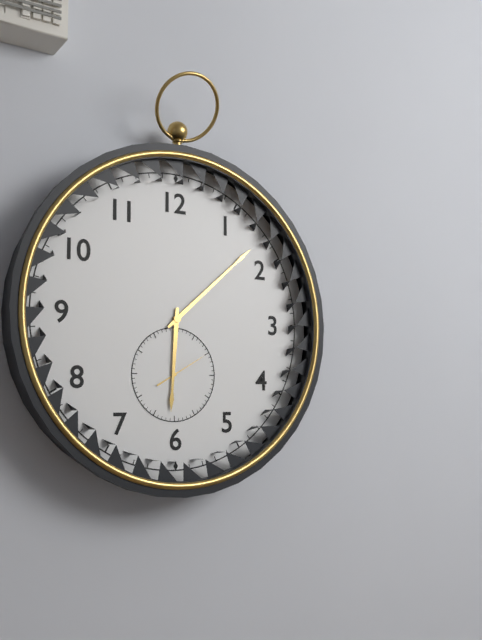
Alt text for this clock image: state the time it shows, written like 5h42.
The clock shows 6h08
